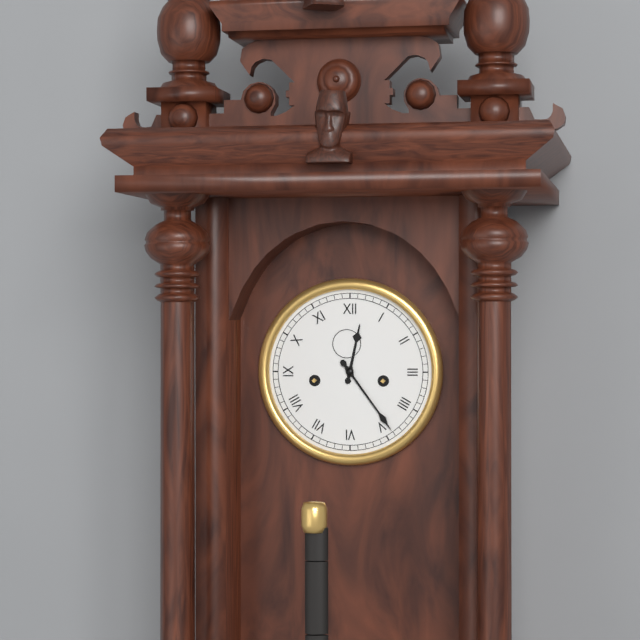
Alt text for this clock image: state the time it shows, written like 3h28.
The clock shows 12h24
